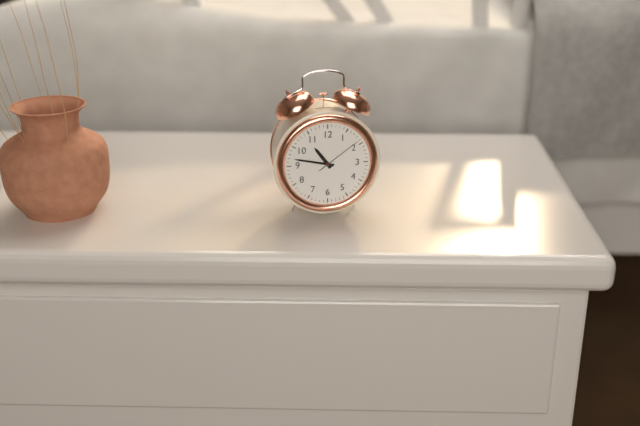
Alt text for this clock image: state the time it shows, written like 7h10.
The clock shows 10h47
